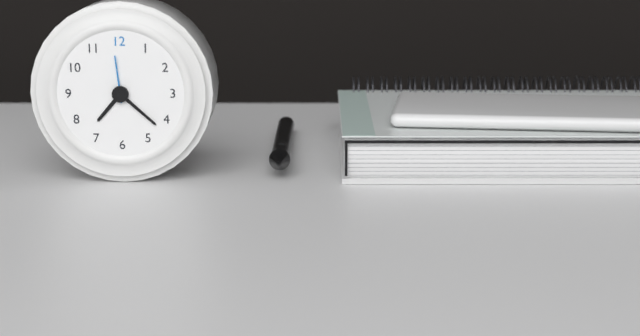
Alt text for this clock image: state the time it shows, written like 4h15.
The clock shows 7h22
